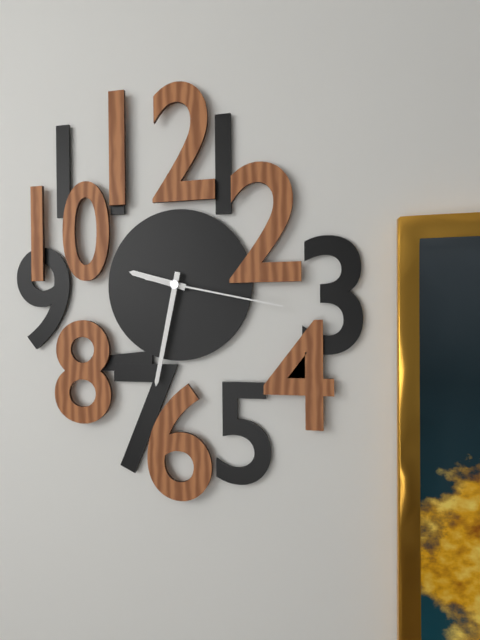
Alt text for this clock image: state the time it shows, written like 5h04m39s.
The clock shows 9h32m17s
